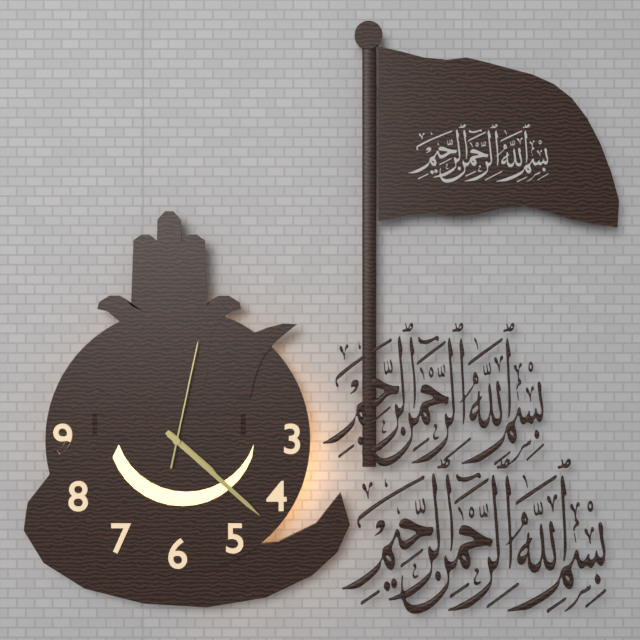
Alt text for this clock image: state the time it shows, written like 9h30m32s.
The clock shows 4h22m02s
